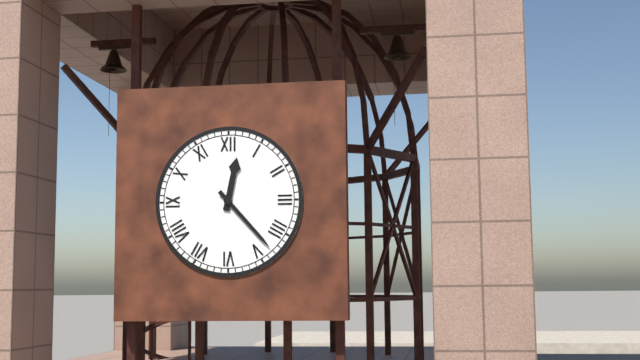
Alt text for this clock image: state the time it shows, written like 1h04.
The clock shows 12h23
